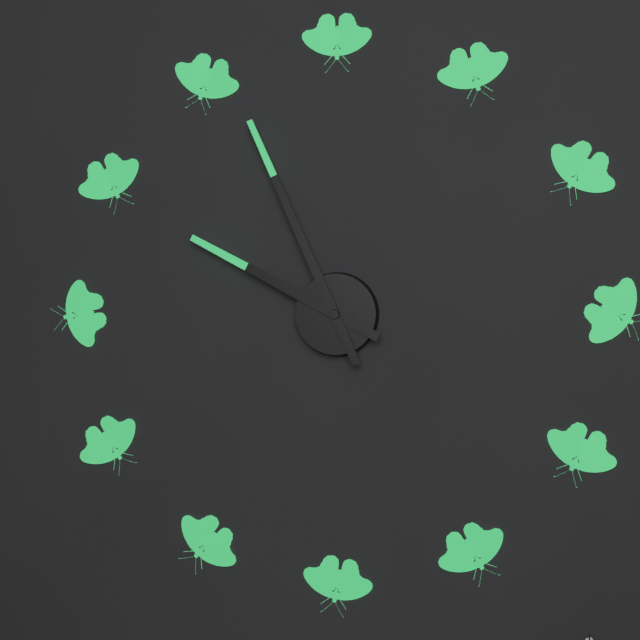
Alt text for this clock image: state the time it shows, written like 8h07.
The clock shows 9h56
